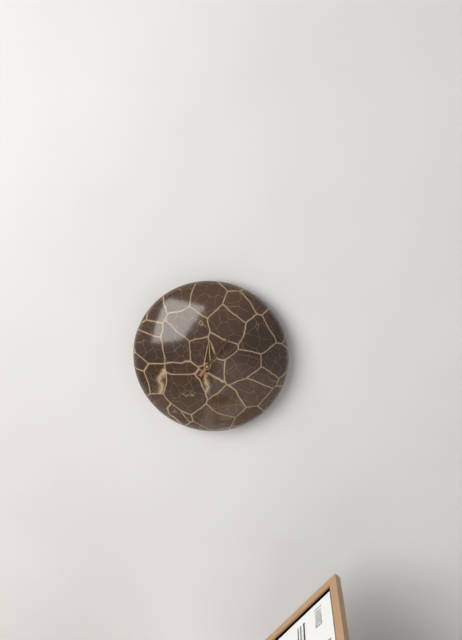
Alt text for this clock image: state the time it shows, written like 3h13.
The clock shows 12h06
